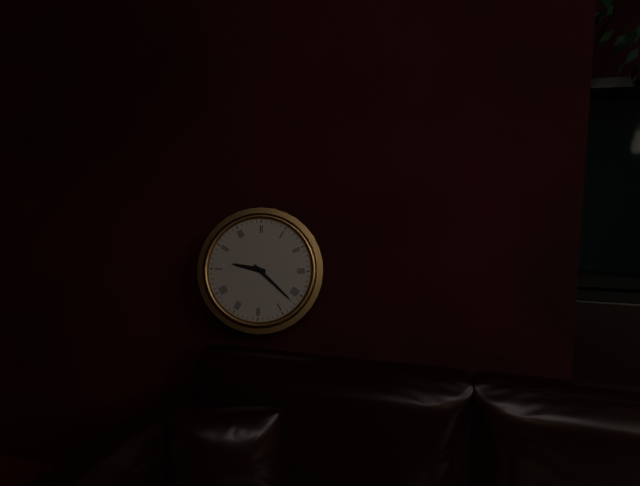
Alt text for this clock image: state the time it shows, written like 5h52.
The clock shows 9h22
